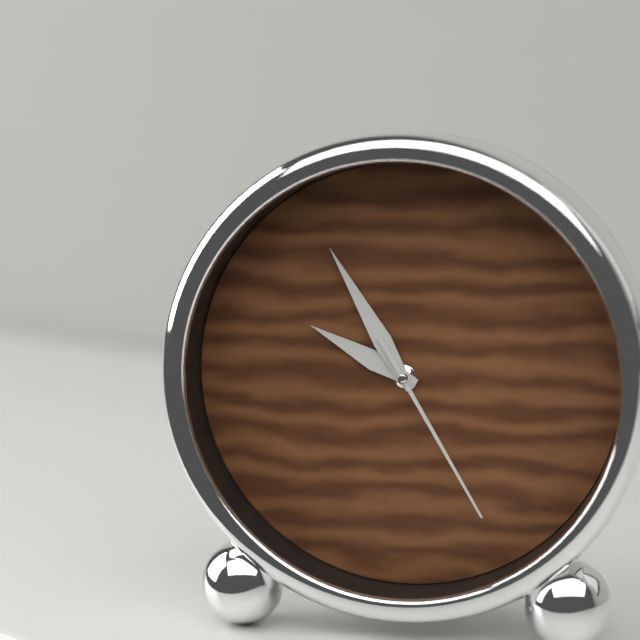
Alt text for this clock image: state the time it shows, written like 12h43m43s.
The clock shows 9h55m25s
